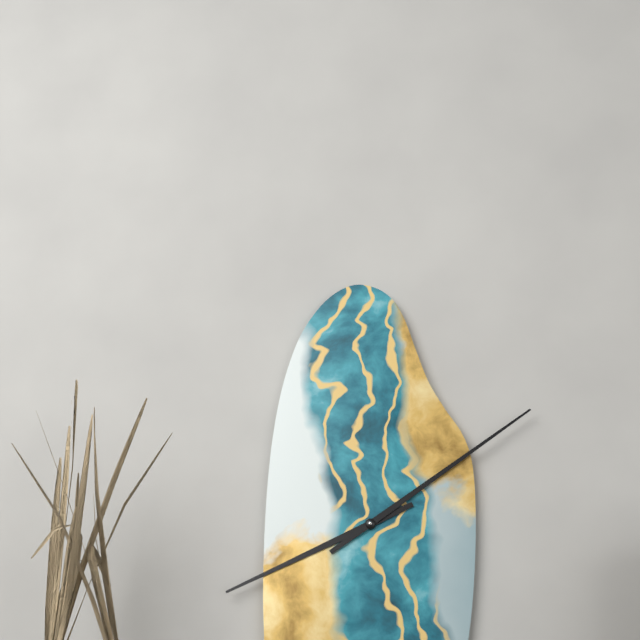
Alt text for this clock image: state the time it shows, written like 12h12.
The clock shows 8h09
